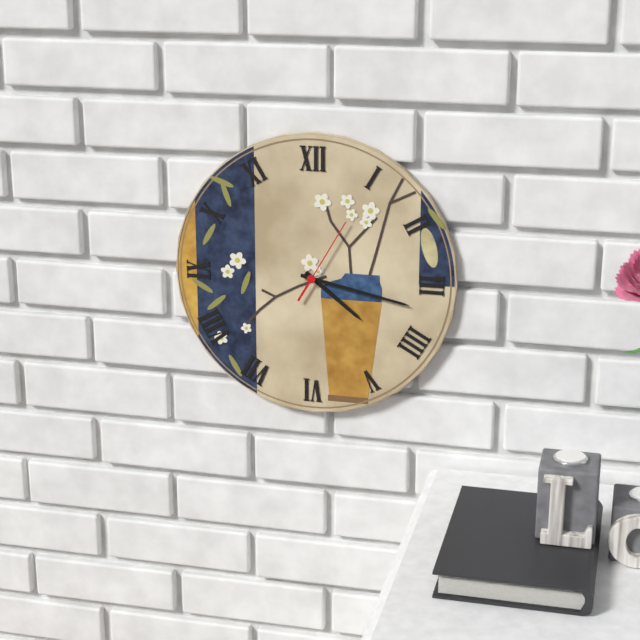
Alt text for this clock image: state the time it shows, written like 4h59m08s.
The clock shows 4h17m05s
